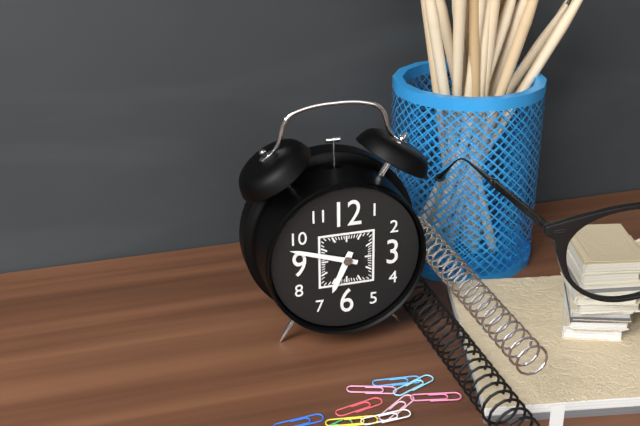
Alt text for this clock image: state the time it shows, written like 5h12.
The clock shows 6h48
